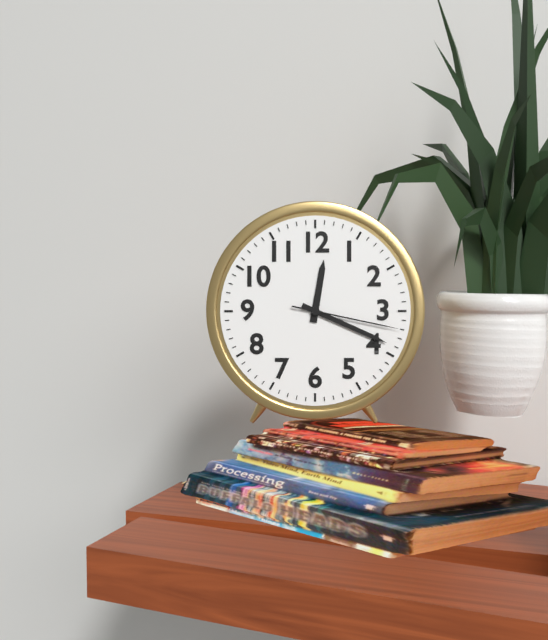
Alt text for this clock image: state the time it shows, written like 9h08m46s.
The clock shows 12h19m17s
